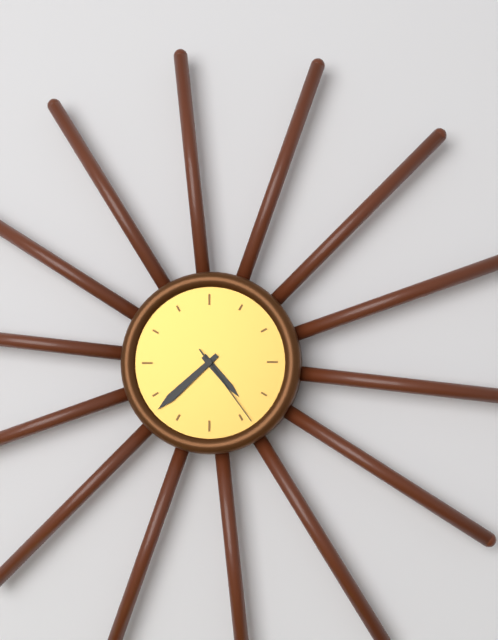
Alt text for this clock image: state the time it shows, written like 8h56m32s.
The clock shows 4h38m24s
